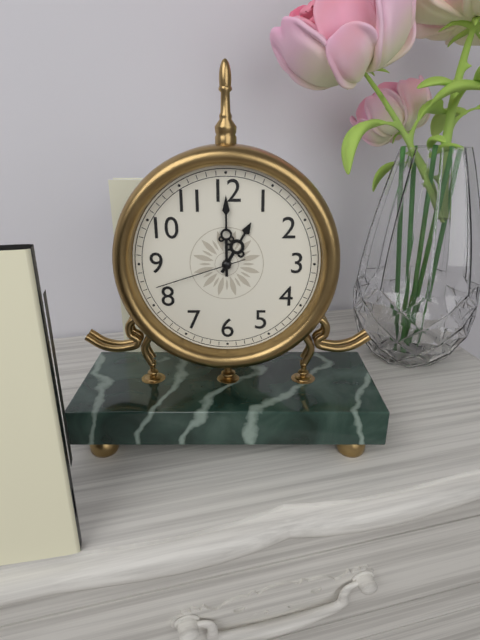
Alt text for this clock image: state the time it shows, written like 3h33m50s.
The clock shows 1h00m42s
